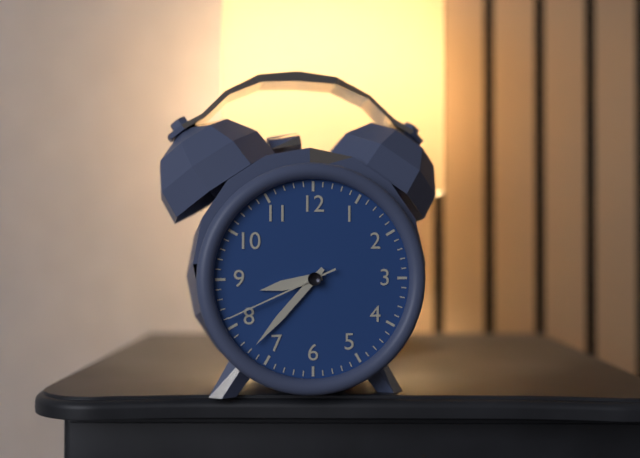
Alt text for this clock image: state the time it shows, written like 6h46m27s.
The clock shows 8h37m41s
